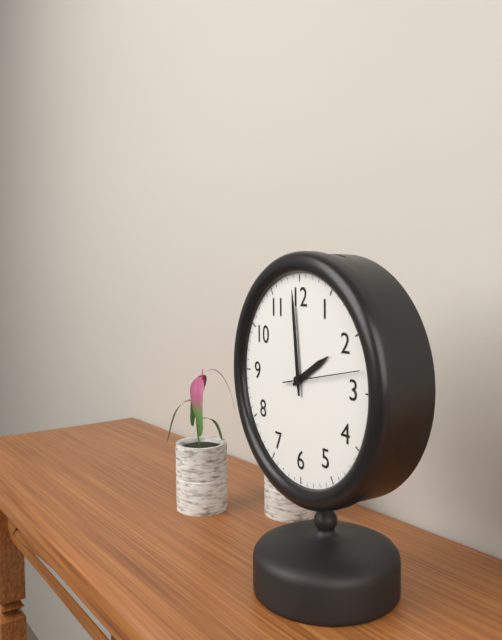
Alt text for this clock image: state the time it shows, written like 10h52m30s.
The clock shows 1h59m13s
